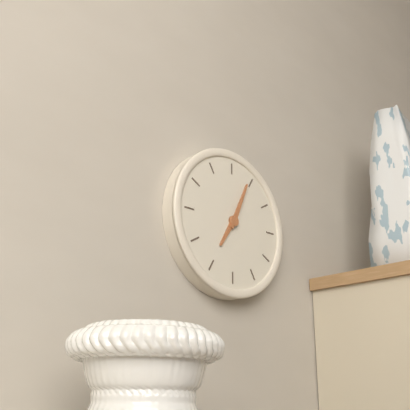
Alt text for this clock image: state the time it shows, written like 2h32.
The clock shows 7h04
